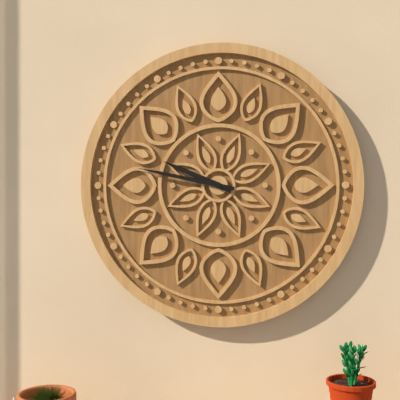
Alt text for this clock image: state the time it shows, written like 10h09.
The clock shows 9h47
